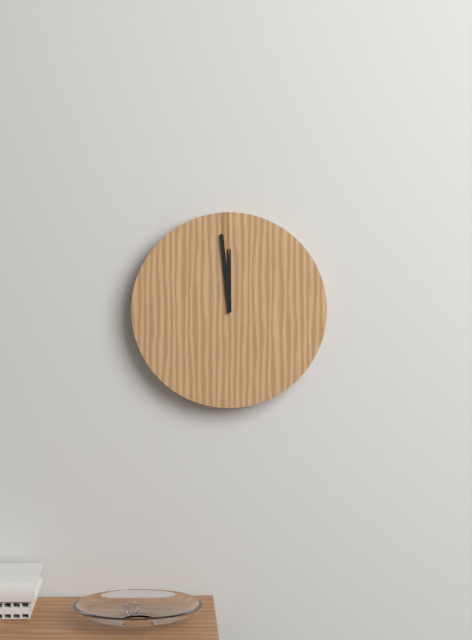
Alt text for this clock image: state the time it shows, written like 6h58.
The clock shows 11h59
